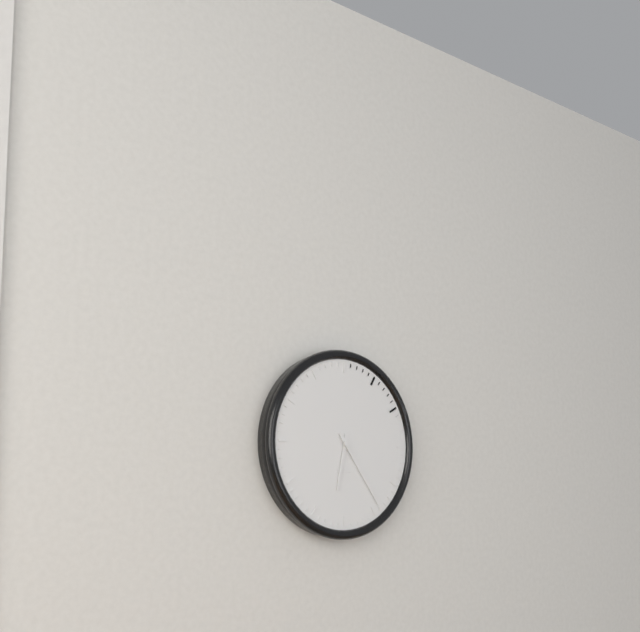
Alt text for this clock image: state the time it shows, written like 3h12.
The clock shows 6h24
